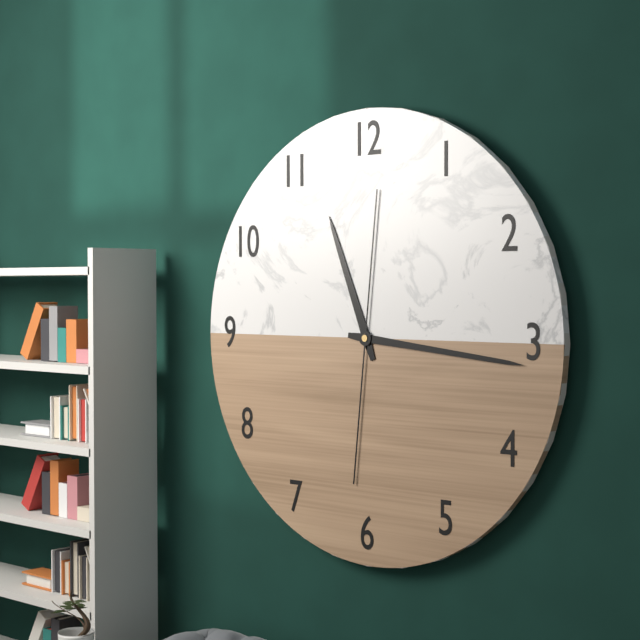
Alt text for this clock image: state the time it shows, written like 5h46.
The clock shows 11h16
